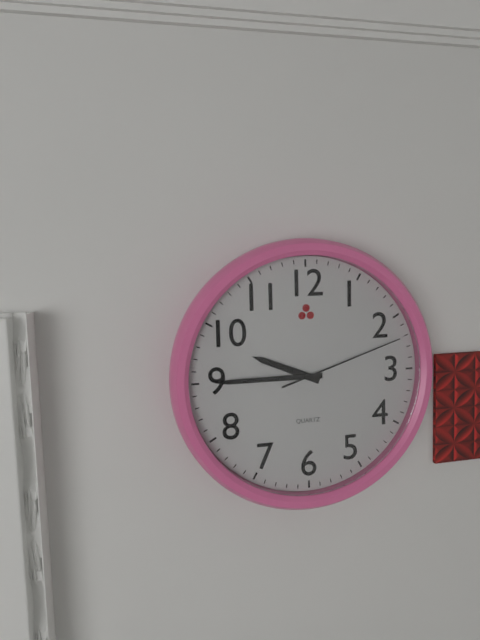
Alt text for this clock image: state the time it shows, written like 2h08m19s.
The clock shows 9h45m12s
